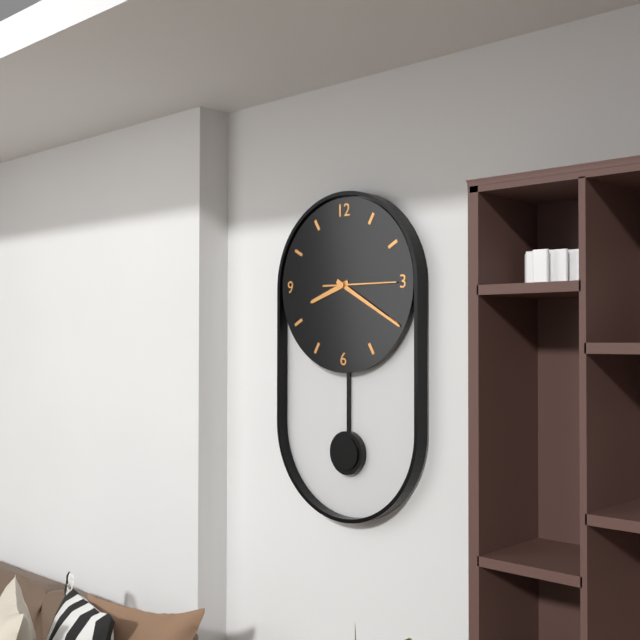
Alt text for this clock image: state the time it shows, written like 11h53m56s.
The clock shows 8h20m15s
